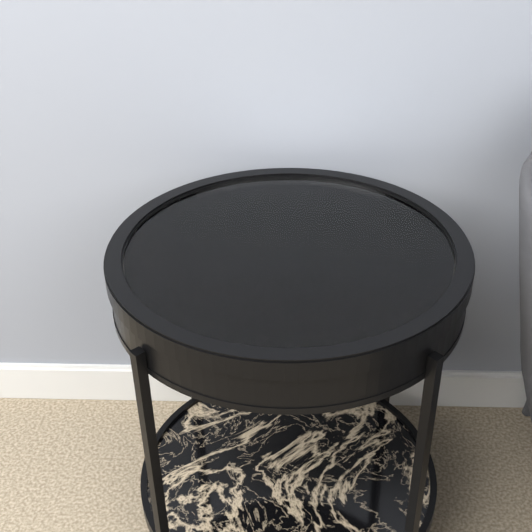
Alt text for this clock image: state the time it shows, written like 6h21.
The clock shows 3h38
